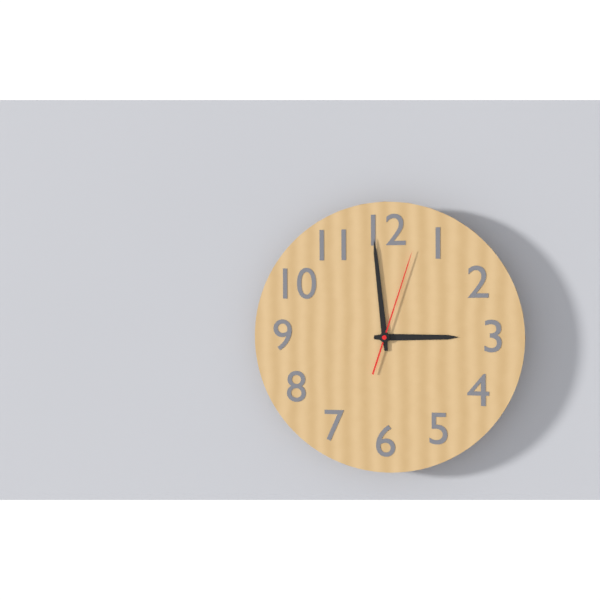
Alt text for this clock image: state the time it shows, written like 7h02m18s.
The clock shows 2h59m03s
